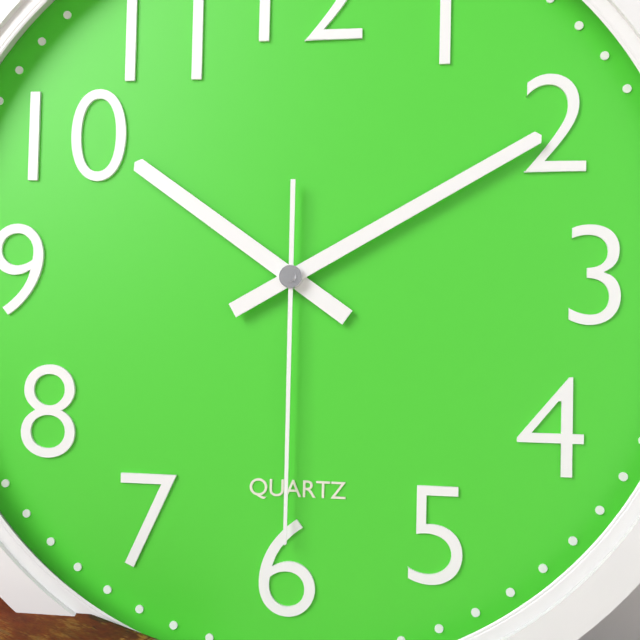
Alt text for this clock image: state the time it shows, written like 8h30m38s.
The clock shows 10h10m30s
